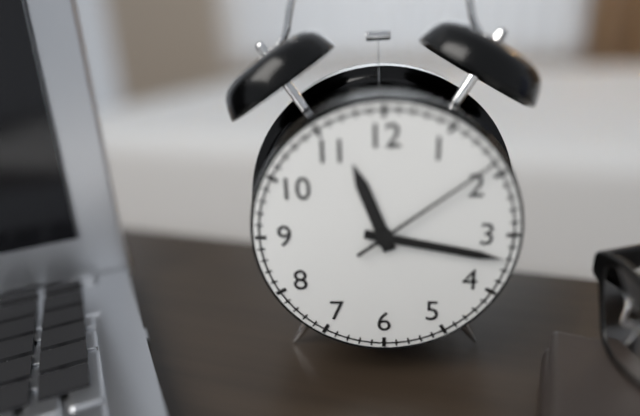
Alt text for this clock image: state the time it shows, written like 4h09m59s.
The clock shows 11h17m09s
